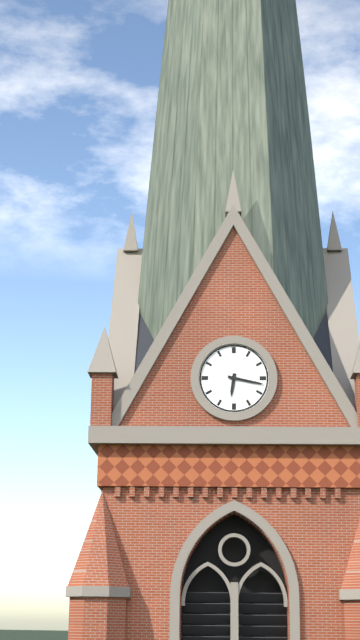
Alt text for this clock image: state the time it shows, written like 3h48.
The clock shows 6h17
